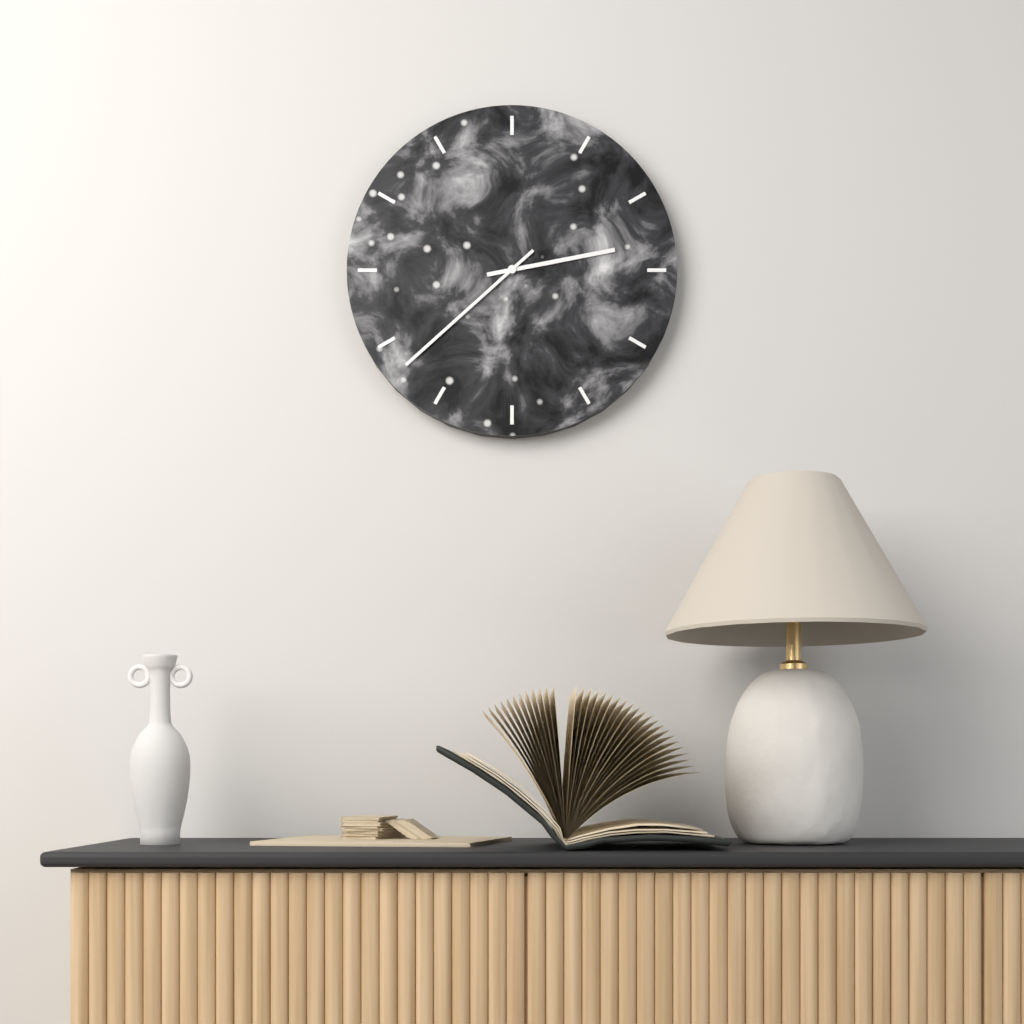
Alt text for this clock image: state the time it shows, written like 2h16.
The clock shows 2h38
